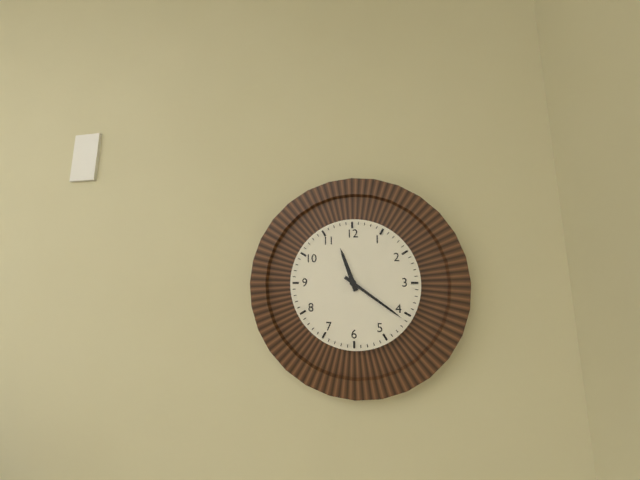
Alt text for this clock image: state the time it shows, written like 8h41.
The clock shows 11h21
